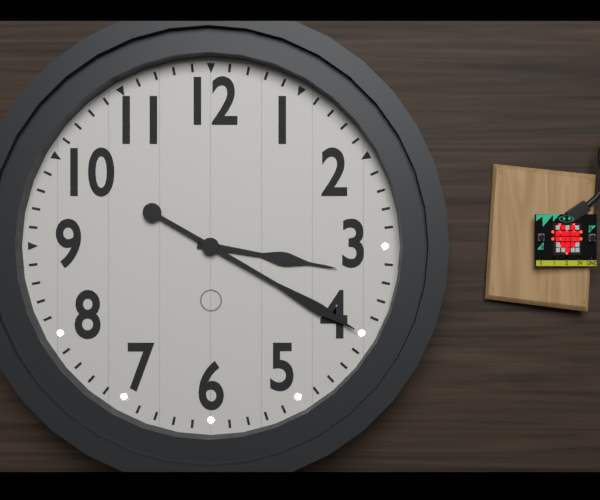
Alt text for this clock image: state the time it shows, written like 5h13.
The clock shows 3h20
